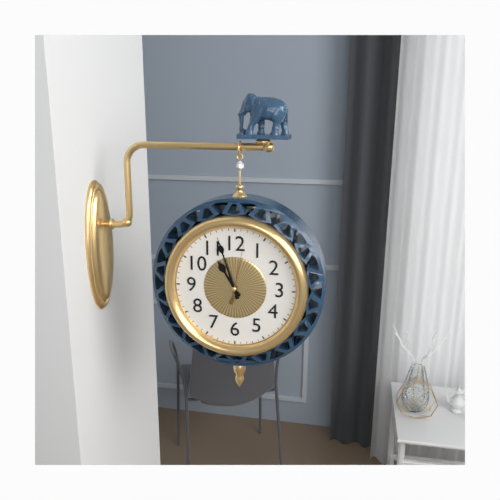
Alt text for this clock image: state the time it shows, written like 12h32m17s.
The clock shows 10h57m02s
